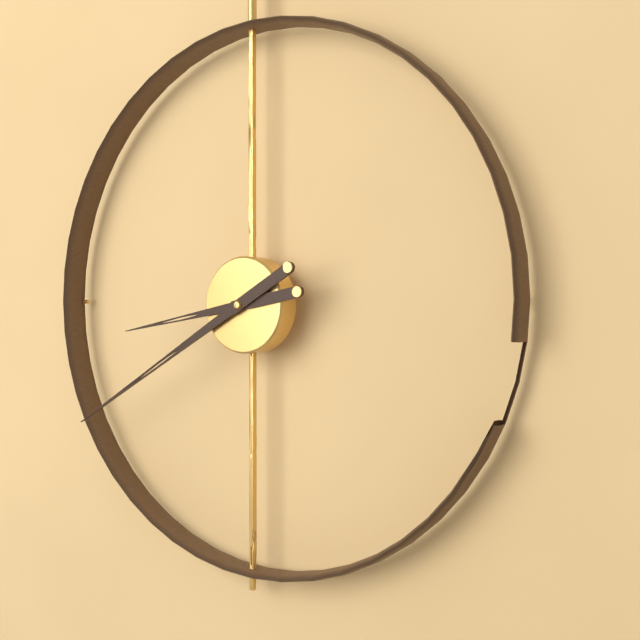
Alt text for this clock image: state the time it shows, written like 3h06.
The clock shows 8h40
